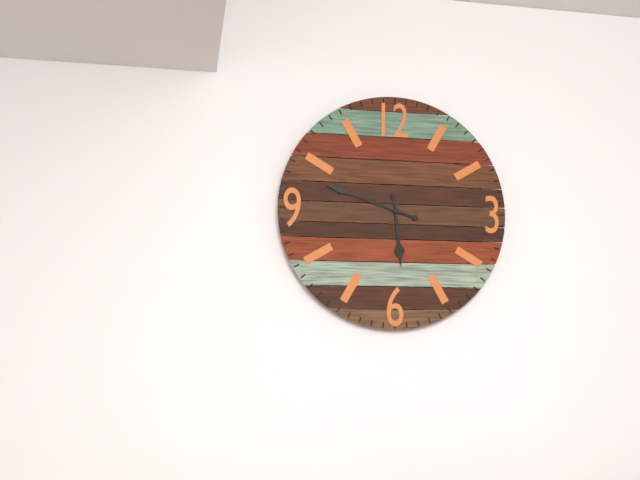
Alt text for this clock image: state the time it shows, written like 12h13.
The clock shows 5h48
